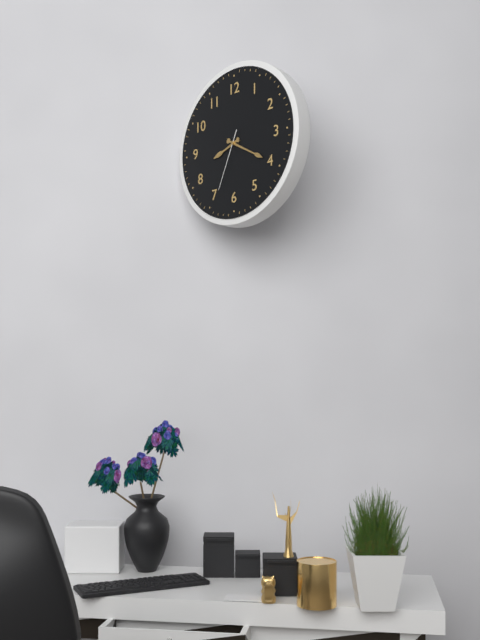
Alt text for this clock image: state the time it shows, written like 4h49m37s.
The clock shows 8h20m34s
